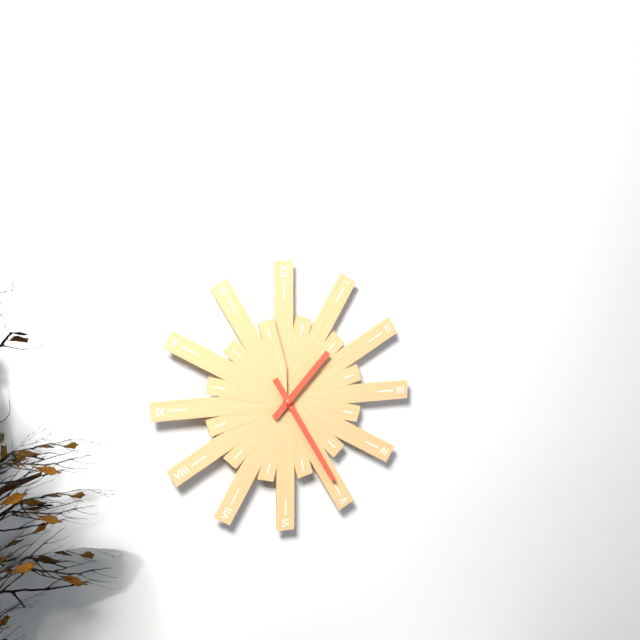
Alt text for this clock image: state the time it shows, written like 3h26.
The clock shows 1h25
